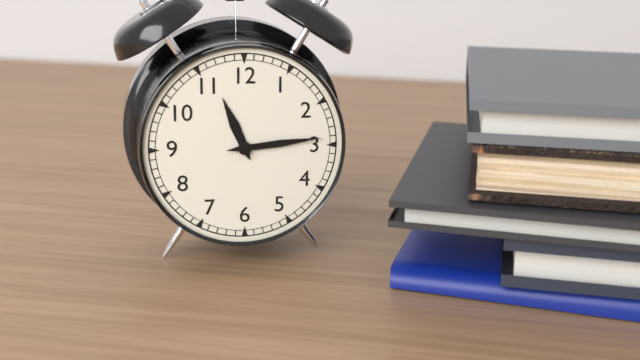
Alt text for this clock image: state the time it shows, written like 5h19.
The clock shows 11h14
